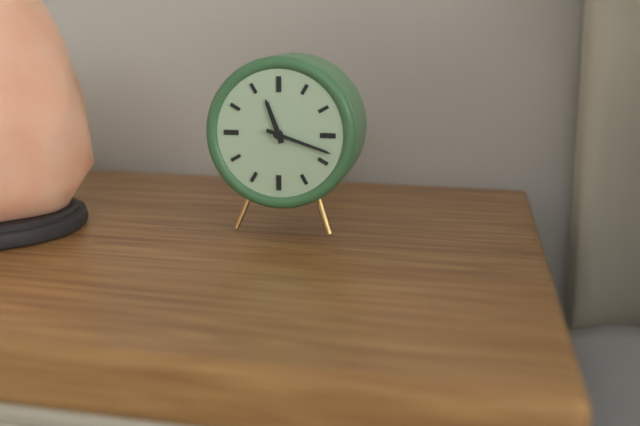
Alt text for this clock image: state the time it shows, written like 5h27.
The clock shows 11h18
